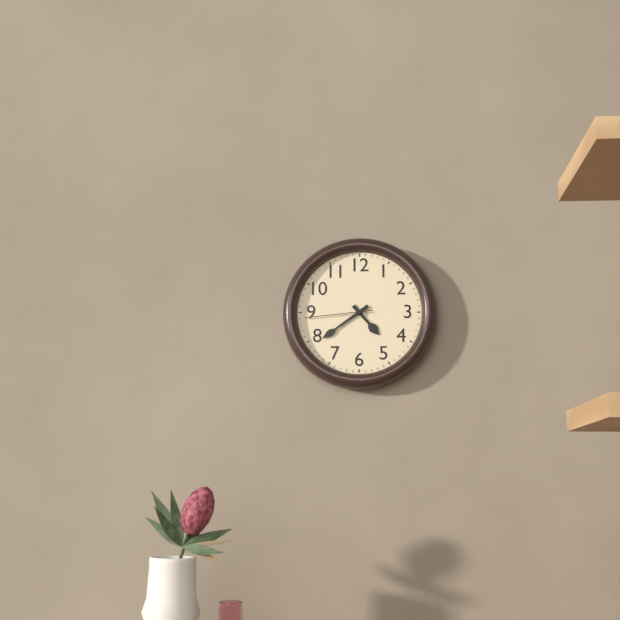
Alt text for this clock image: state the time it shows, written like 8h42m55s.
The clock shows 4h39m44s
